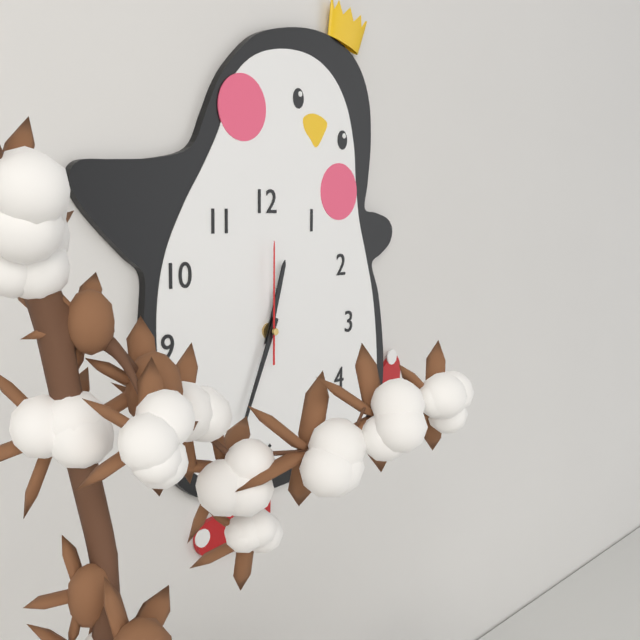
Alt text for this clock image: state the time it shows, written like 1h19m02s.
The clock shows 12h34m00s
